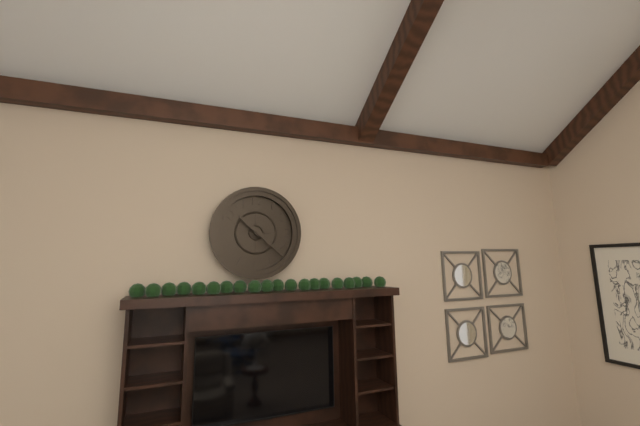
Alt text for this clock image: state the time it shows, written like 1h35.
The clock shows 10h22
